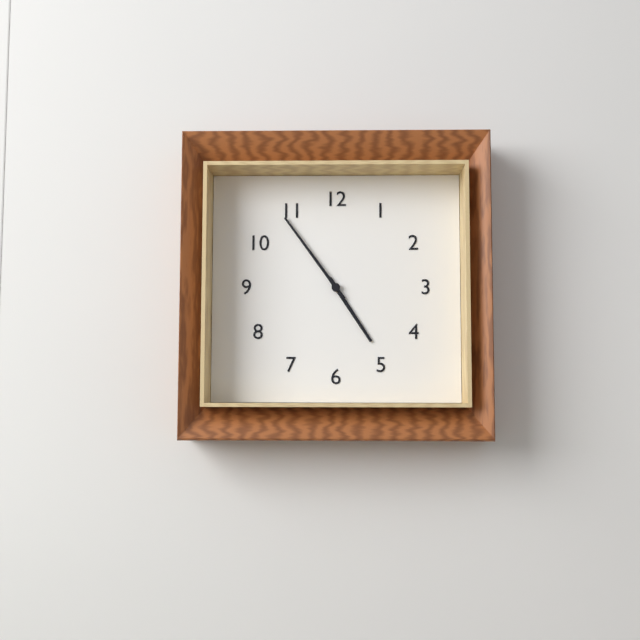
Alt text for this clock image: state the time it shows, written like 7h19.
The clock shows 4h54
